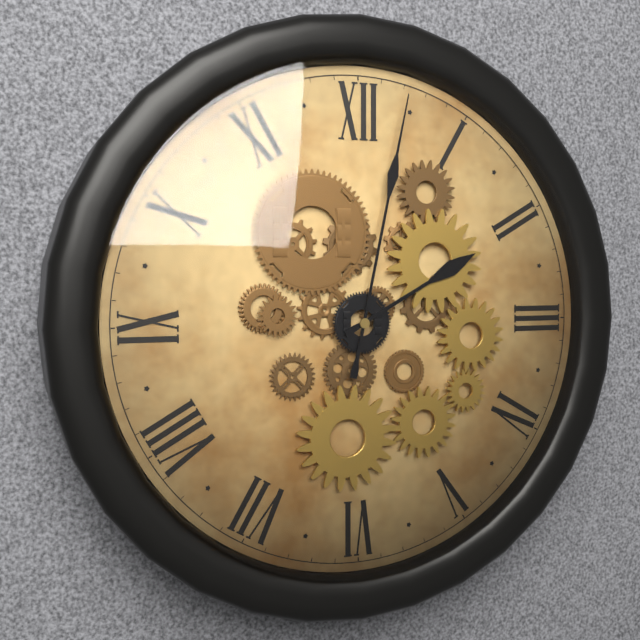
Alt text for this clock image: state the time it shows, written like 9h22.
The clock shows 2h02
